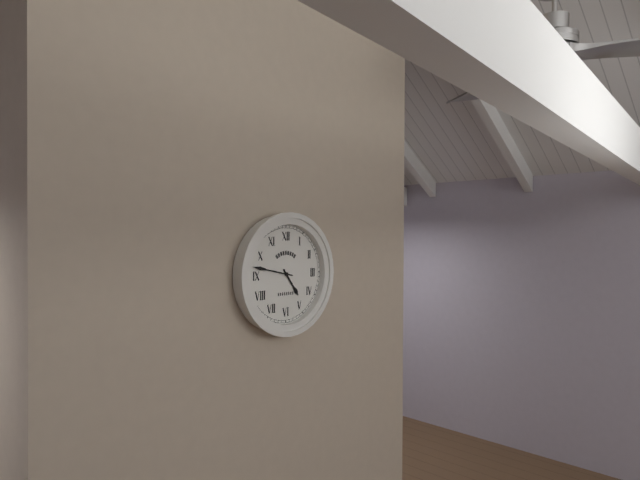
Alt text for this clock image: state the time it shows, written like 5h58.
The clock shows 4h47
